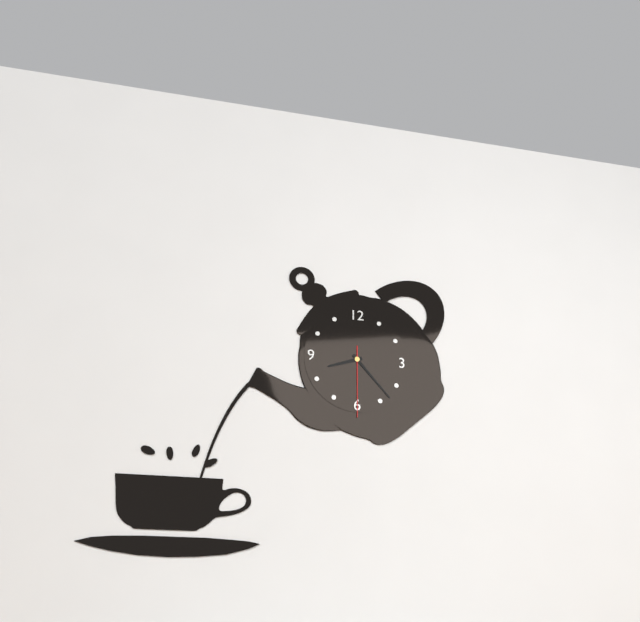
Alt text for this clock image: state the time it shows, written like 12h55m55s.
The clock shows 8h23m30s
